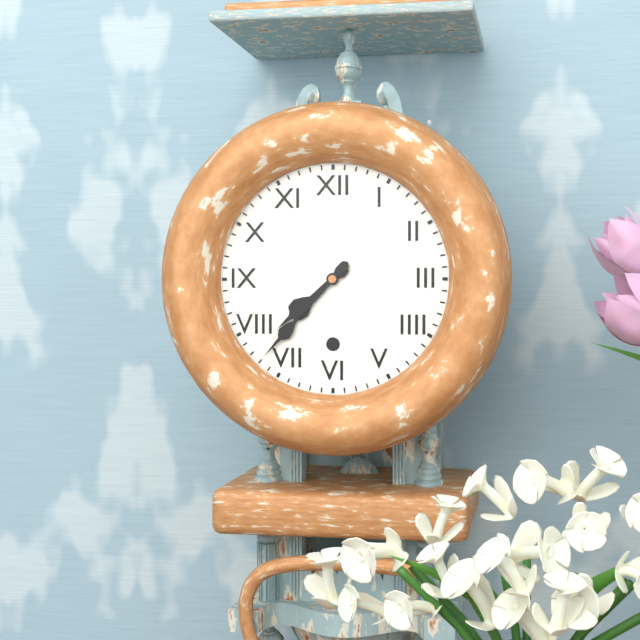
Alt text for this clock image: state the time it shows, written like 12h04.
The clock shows 7h37
